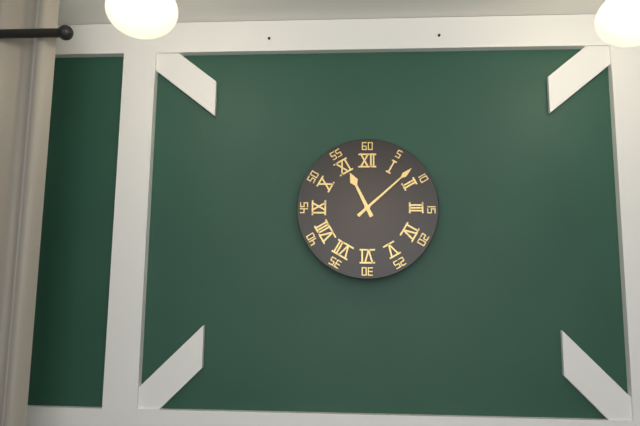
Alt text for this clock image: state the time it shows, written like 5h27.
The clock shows 11h08
